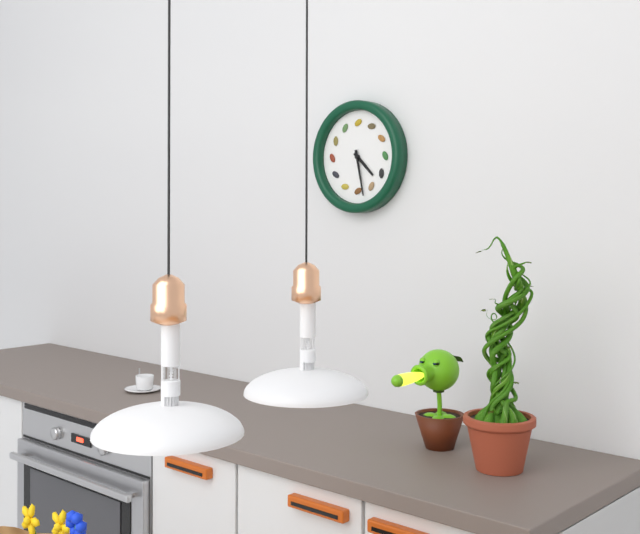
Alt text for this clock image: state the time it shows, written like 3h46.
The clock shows 4h28
